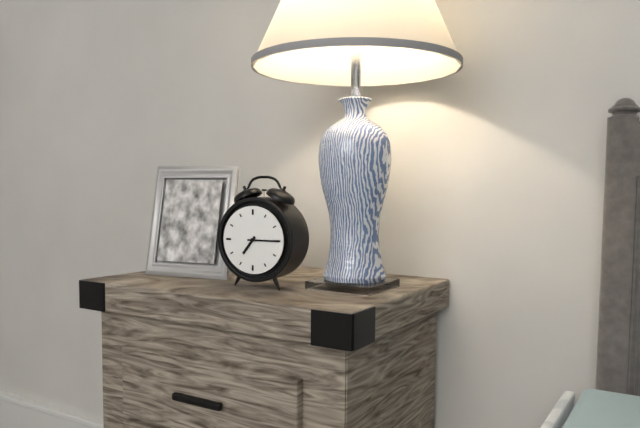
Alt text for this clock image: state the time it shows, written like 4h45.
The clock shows 7h15
